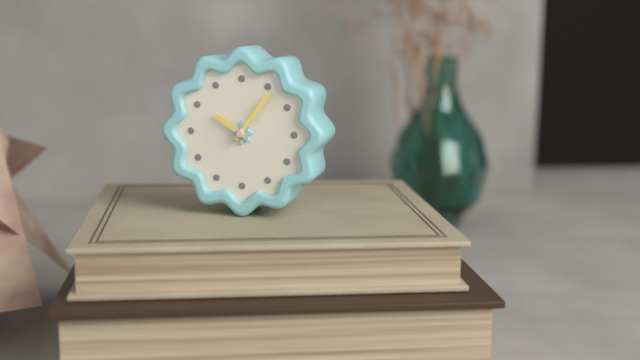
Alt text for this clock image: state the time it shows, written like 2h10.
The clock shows 10h06
